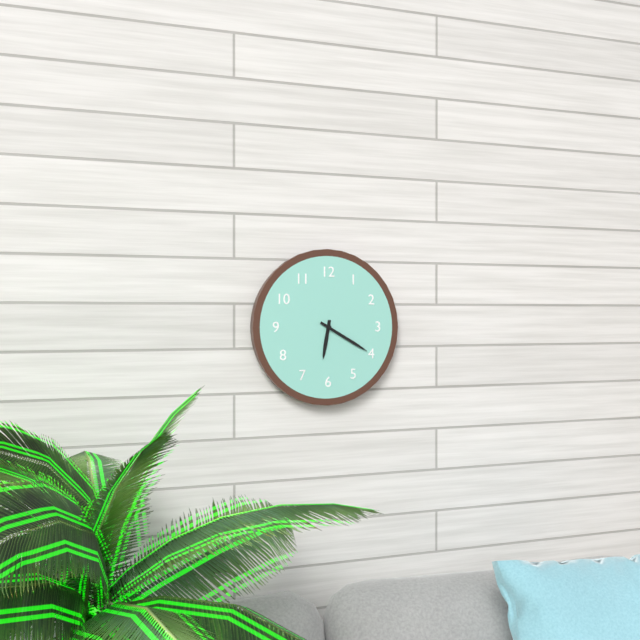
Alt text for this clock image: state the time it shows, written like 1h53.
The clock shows 6h20
